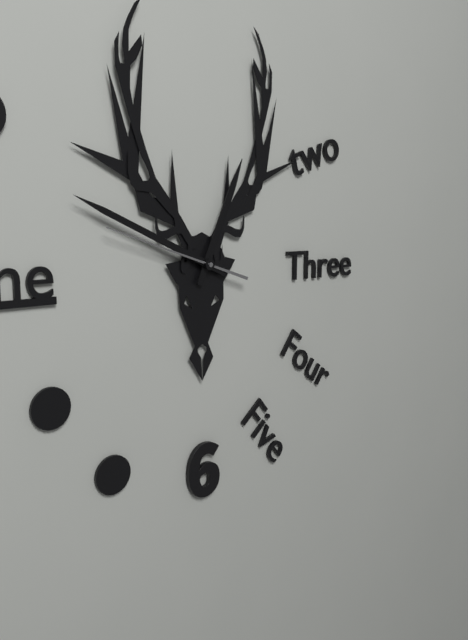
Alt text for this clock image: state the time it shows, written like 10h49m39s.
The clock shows 12h49m48s
